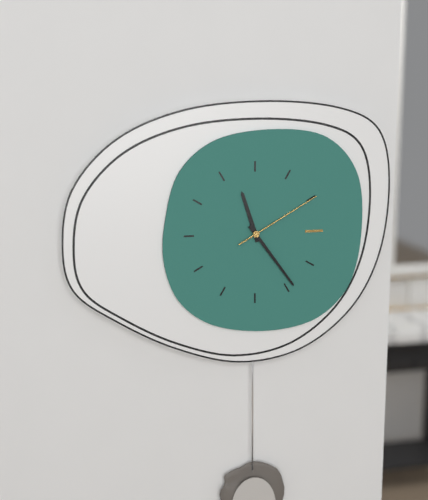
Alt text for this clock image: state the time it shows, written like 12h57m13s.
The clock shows 11h24m10s
